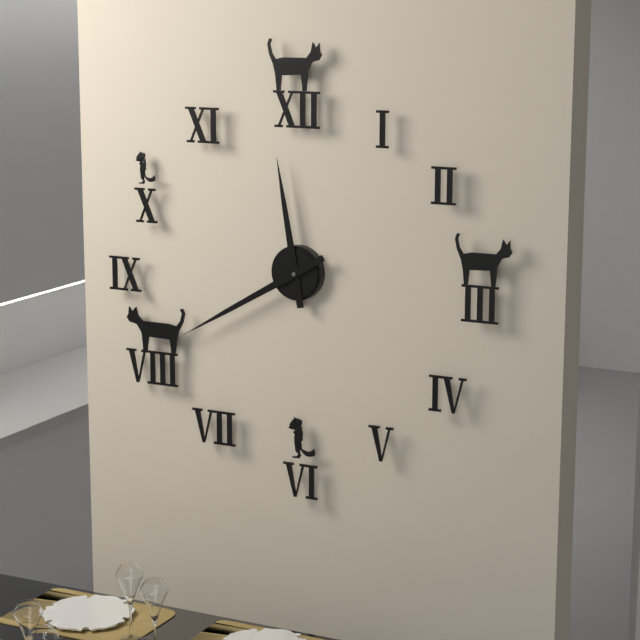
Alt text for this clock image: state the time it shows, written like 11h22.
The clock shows 11h40
